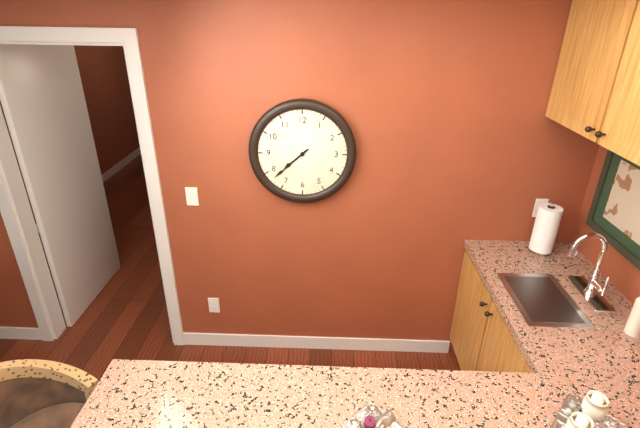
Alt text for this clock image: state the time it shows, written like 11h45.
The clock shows 7h38
